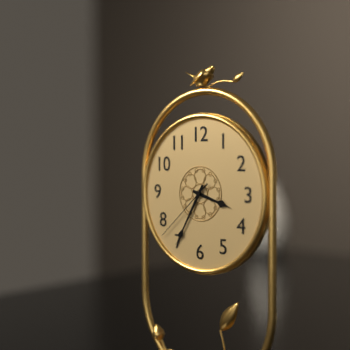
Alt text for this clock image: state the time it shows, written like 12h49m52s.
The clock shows 3h35m38s
